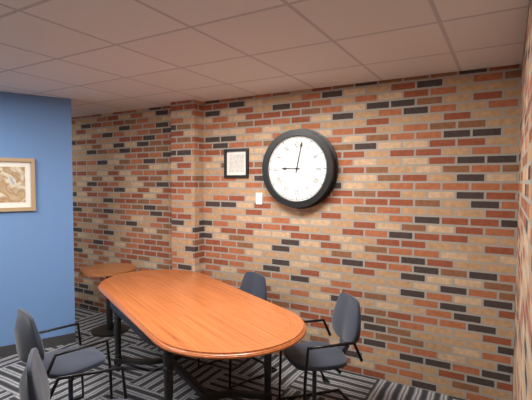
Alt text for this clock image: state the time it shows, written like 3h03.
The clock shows 9h02
